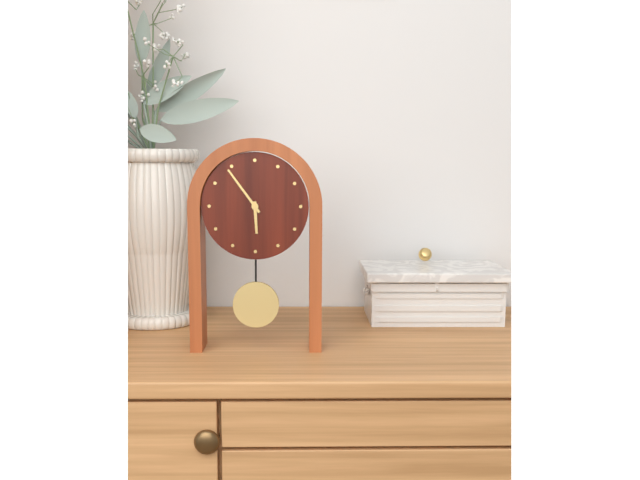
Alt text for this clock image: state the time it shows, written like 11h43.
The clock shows 5h54
